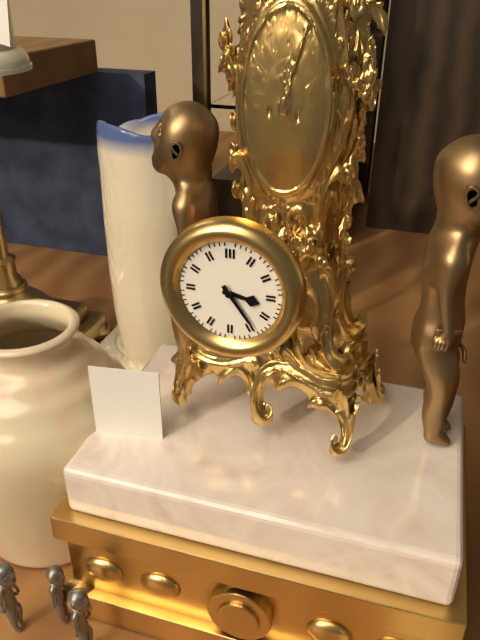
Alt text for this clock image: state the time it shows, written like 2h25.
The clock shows 3h24
